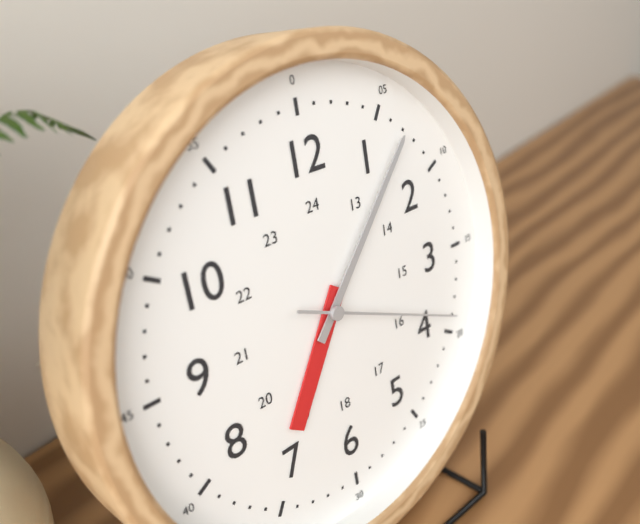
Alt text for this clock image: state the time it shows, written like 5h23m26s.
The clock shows 7h07m19s
